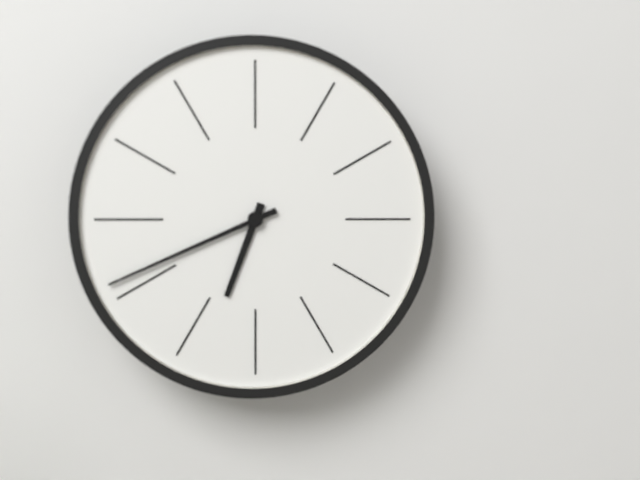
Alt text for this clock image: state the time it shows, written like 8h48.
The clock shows 6h41
